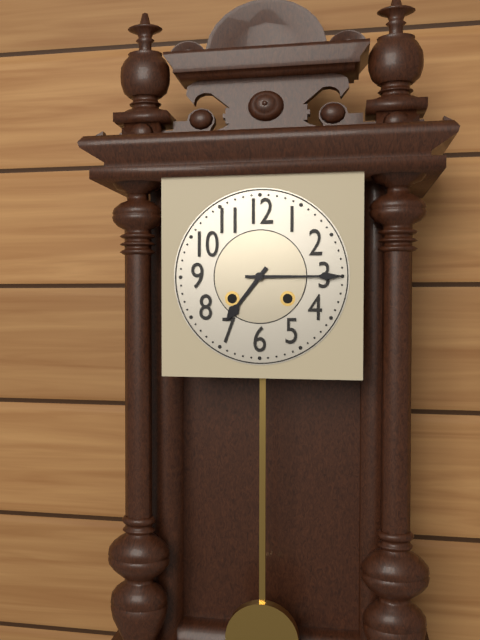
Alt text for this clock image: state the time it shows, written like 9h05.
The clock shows 7h15
